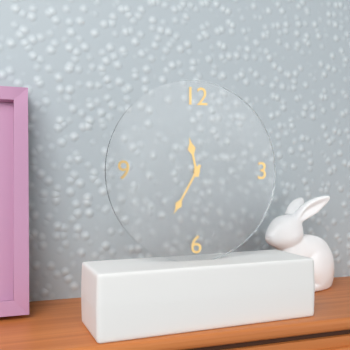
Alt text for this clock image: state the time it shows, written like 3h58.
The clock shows 11h35
